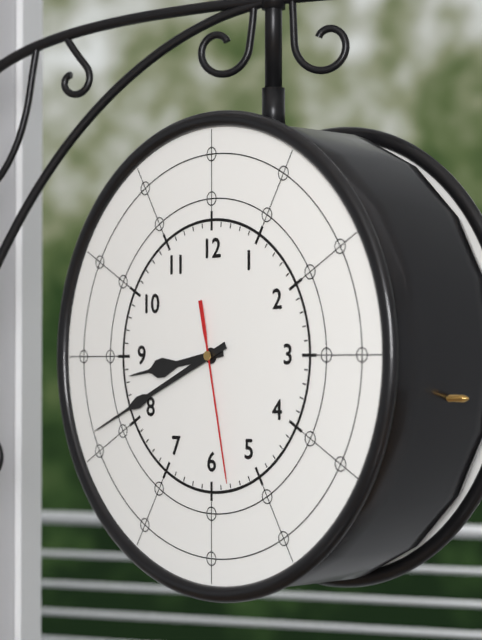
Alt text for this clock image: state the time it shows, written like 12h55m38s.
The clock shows 8h41m28s
